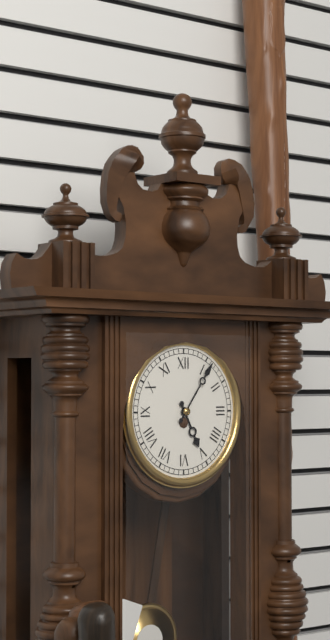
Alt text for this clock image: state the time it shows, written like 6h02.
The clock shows 5h06
